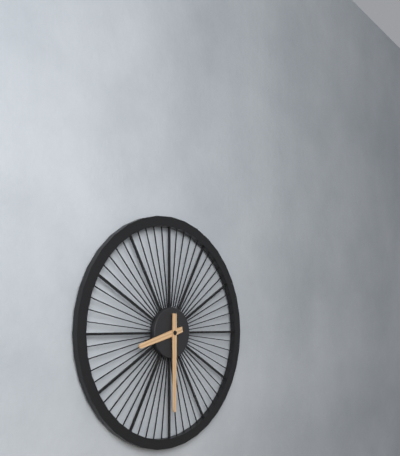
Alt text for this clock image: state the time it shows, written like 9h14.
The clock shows 8h30
